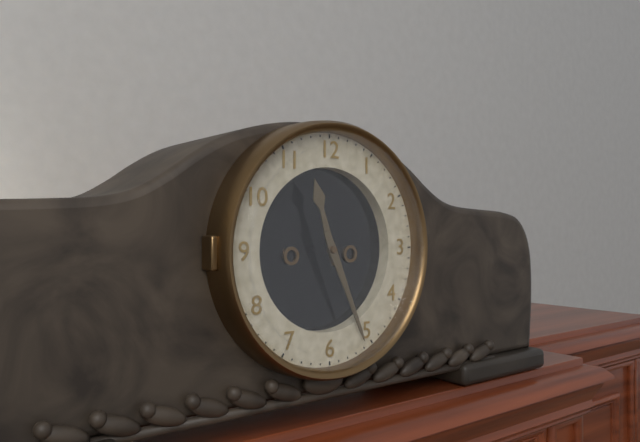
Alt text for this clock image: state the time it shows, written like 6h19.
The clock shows 11h26
